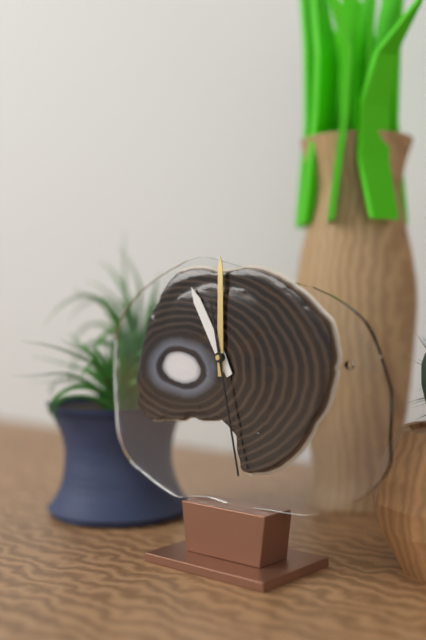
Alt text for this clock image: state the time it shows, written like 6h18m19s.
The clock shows 11h00m28s
